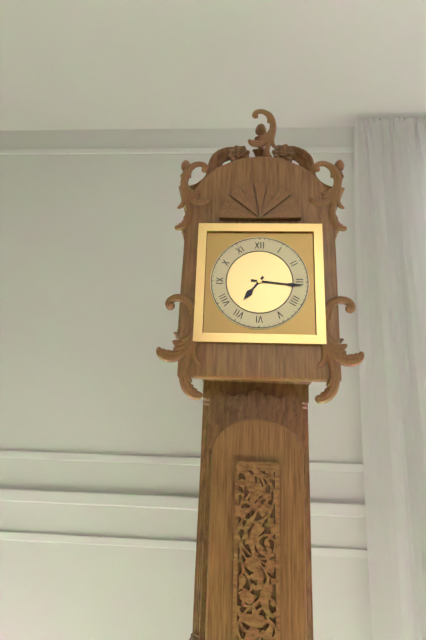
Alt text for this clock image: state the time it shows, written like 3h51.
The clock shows 7h16
